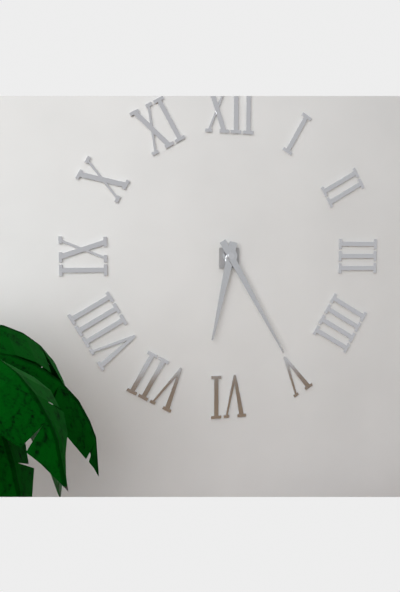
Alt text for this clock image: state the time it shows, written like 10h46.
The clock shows 6h25
